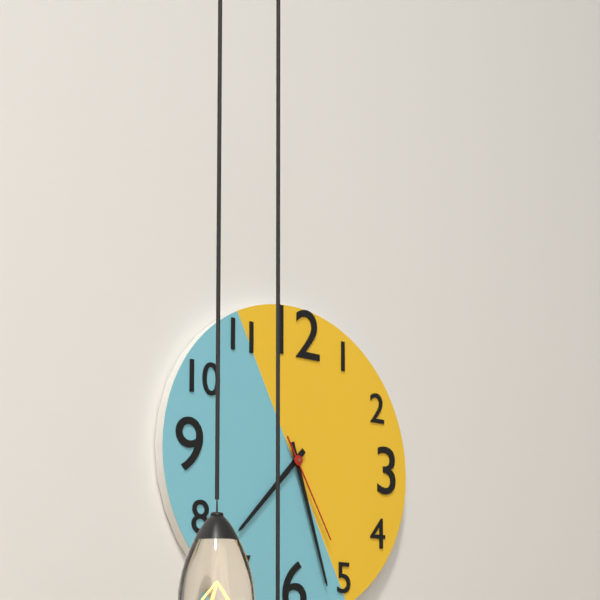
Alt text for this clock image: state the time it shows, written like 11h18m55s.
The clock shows 7h27m25s
